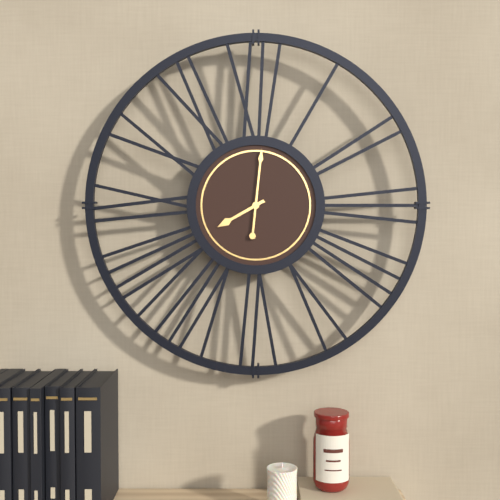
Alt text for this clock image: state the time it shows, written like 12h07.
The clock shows 8h01
